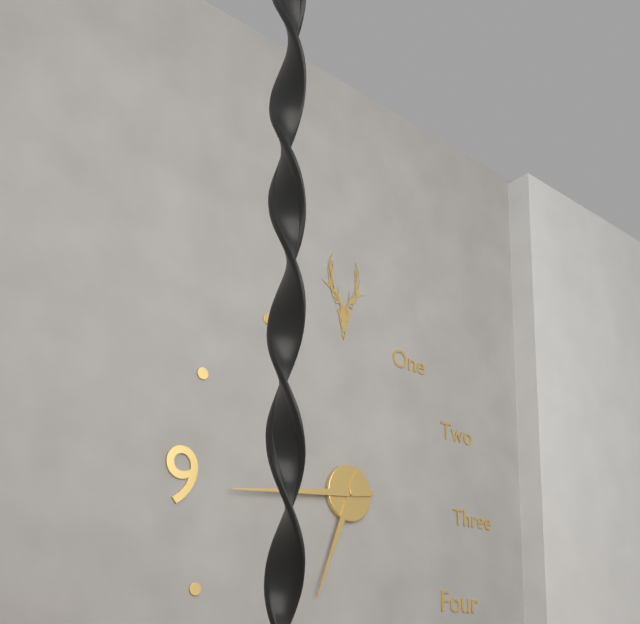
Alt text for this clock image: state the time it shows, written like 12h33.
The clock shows 6h44
